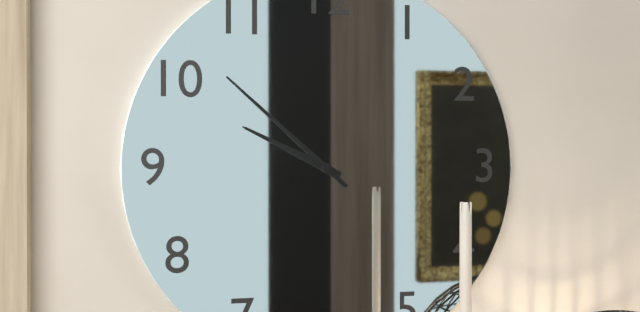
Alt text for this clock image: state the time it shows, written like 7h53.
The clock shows 9h52
